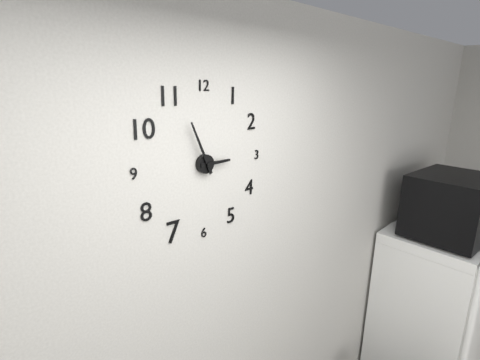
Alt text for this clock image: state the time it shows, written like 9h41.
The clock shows 2h56
